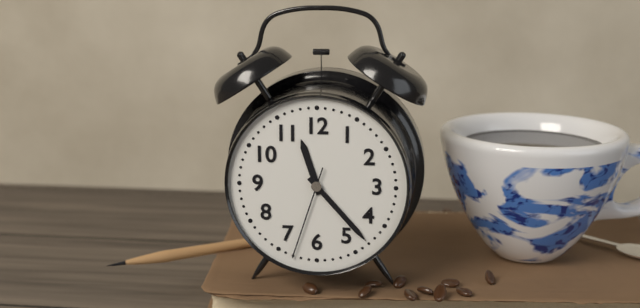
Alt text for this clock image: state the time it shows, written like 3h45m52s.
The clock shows 11h23m33s
